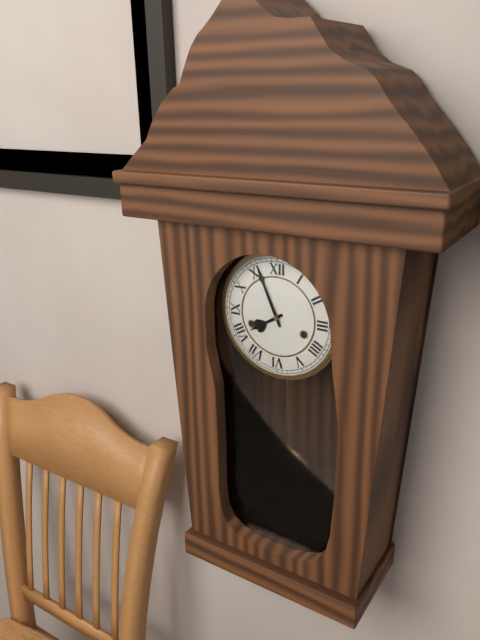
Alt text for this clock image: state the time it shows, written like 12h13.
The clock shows 7h56
